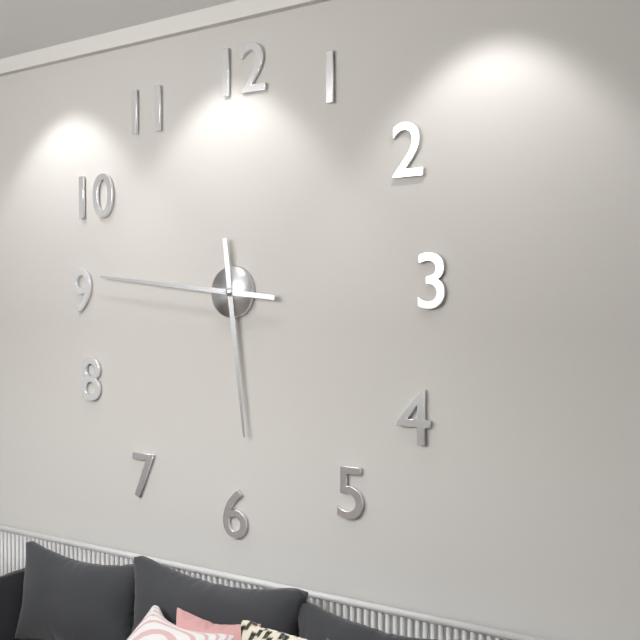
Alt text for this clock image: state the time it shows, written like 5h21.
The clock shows 5h46
